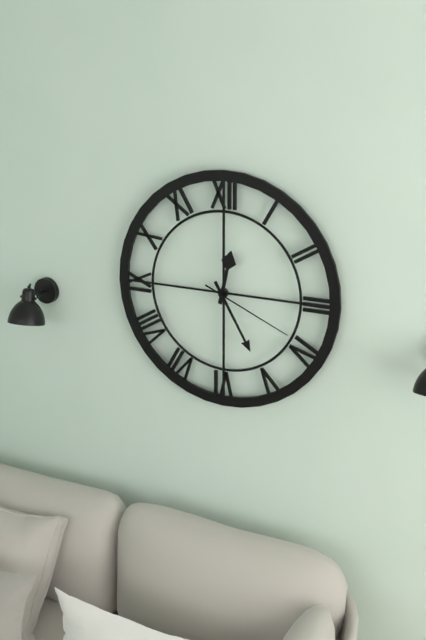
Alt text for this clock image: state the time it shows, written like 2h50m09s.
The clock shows 12h25m19s
